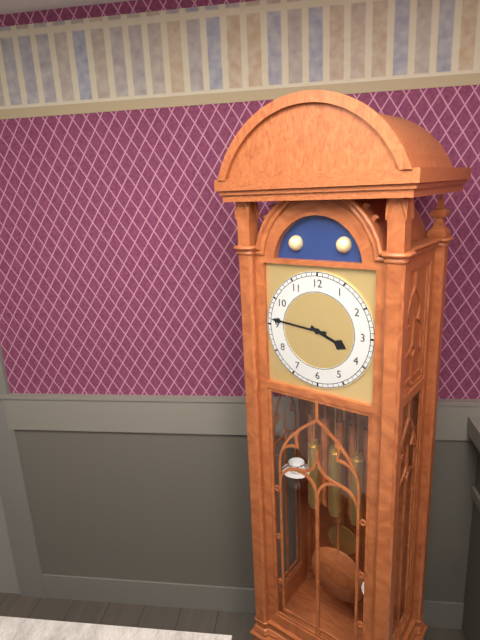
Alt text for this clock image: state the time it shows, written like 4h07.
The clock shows 3h46
